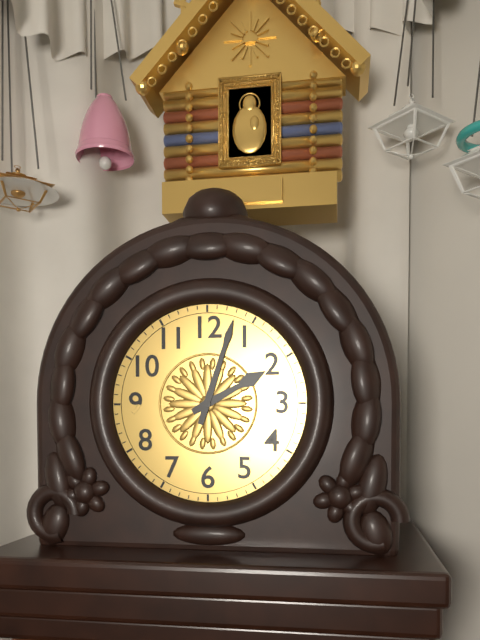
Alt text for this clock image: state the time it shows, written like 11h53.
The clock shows 2h03
